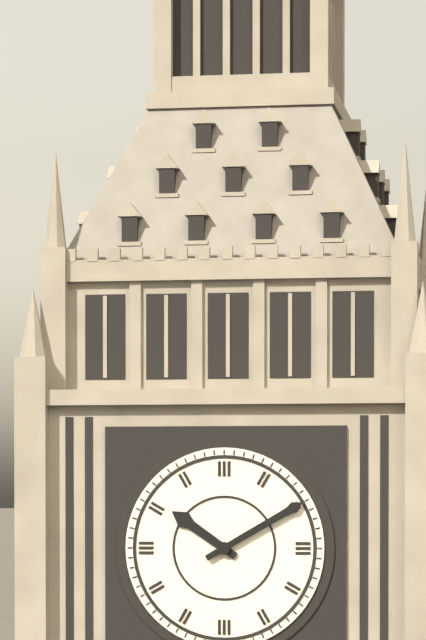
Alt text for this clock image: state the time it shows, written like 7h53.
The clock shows 10h10
